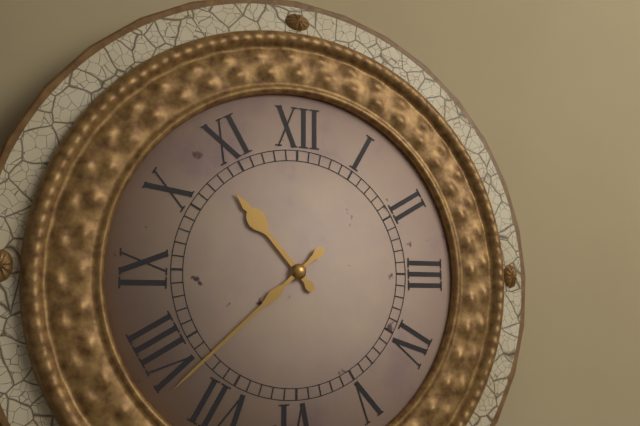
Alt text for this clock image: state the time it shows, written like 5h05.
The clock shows 10h38
